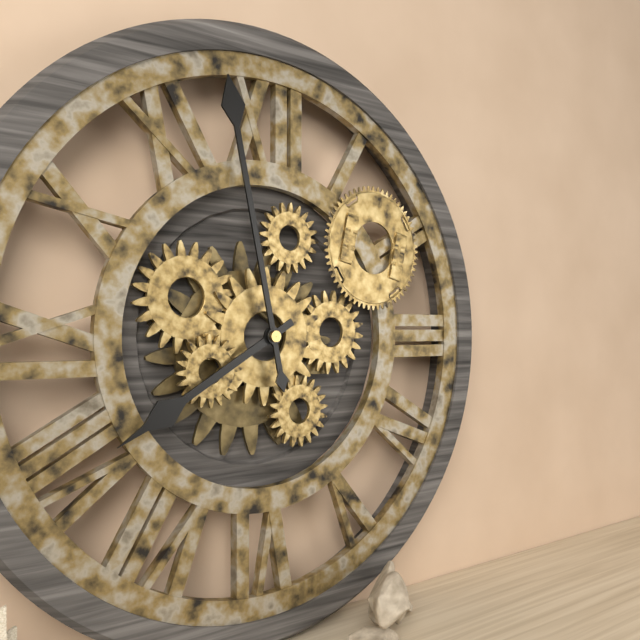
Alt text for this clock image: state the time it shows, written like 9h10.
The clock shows 7h58
